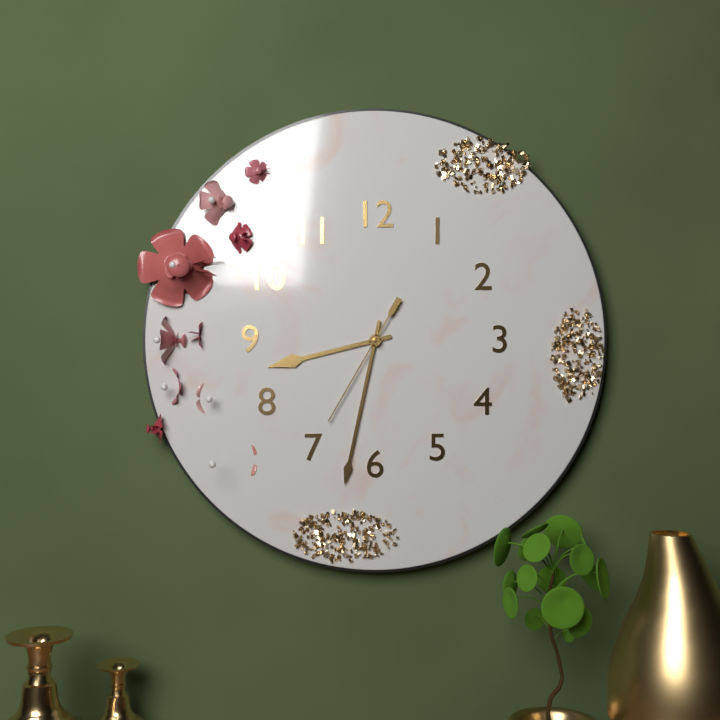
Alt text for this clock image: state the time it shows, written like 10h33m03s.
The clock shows 8h32m35s
